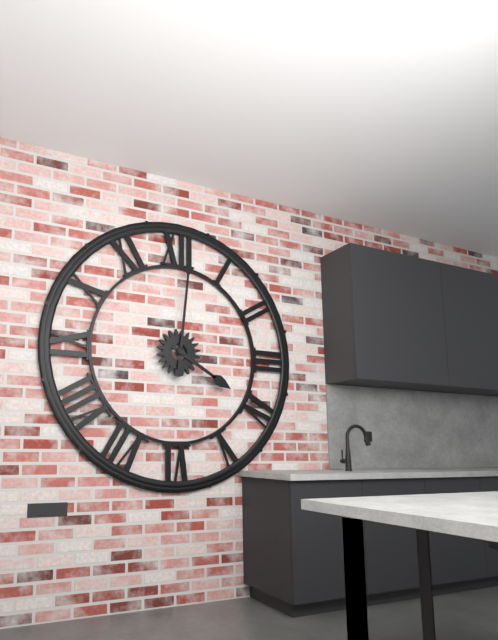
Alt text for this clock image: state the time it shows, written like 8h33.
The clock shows 4h01
